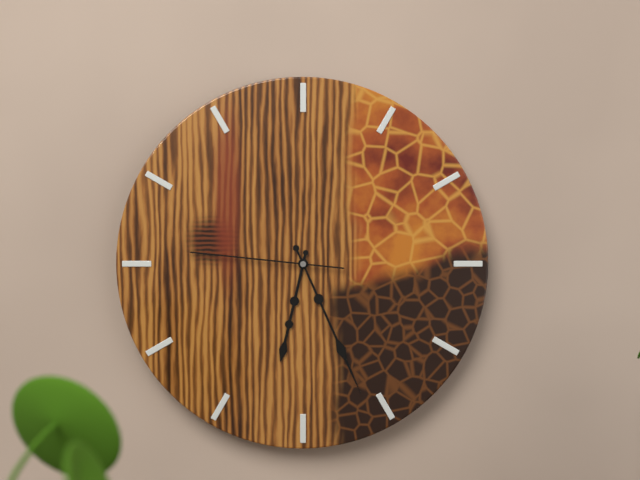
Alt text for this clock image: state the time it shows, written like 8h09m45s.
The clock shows 6h26m46s
